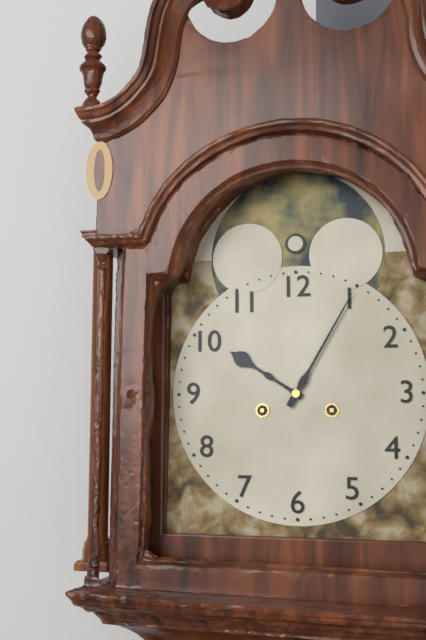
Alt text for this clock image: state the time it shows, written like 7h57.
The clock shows 10h05
